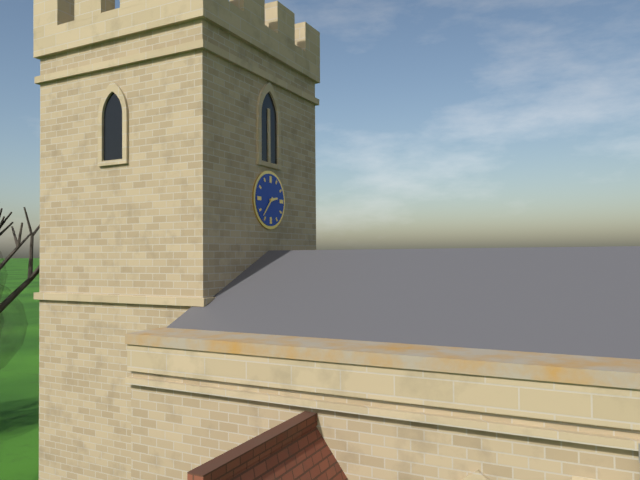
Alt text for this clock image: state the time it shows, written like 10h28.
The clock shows 2h37
